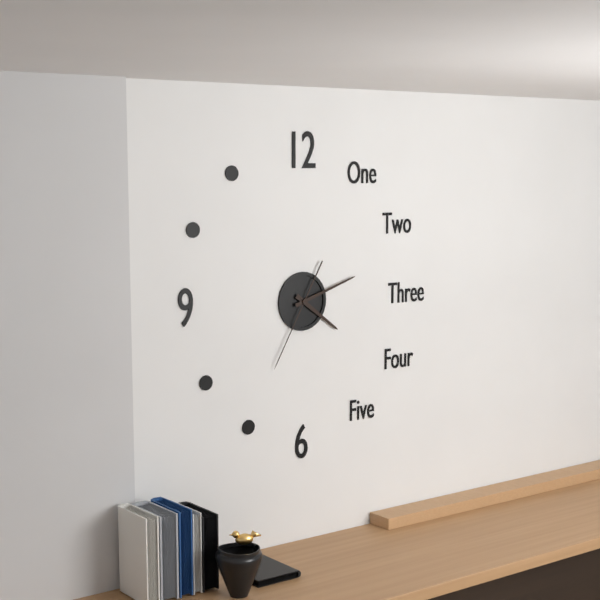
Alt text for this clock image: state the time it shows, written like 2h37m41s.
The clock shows 4h12m35s
